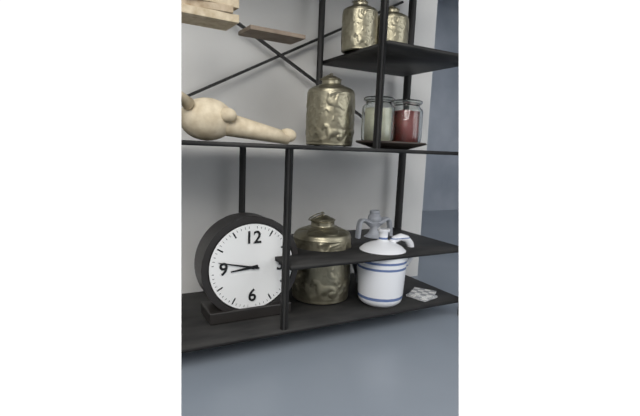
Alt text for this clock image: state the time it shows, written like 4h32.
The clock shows 8h47
